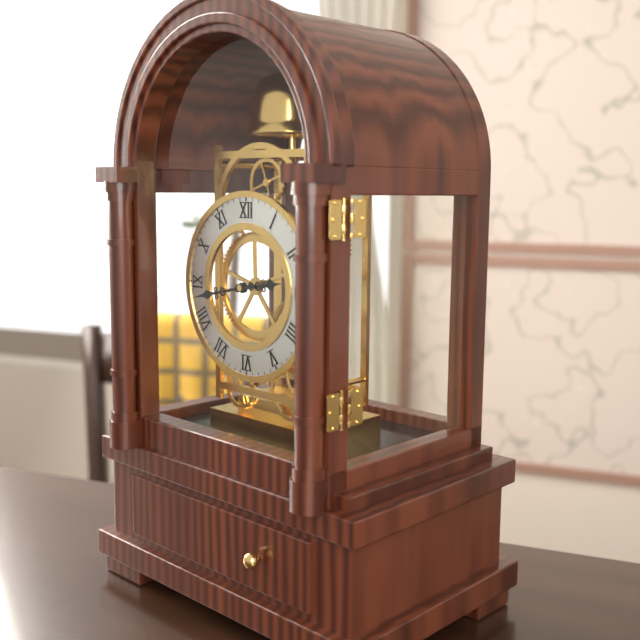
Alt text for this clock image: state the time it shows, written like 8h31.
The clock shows 2h43
